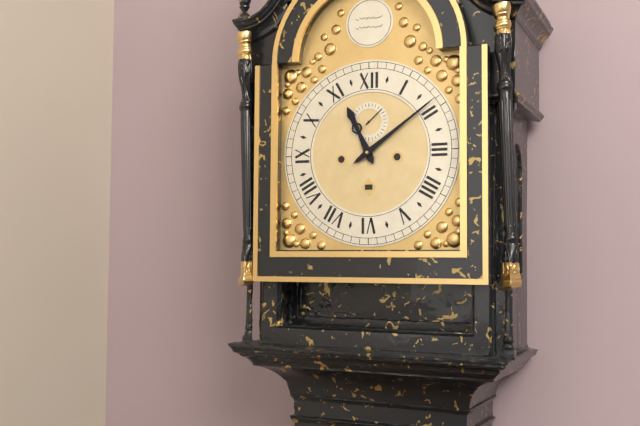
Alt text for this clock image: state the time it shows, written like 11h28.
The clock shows 11h09
